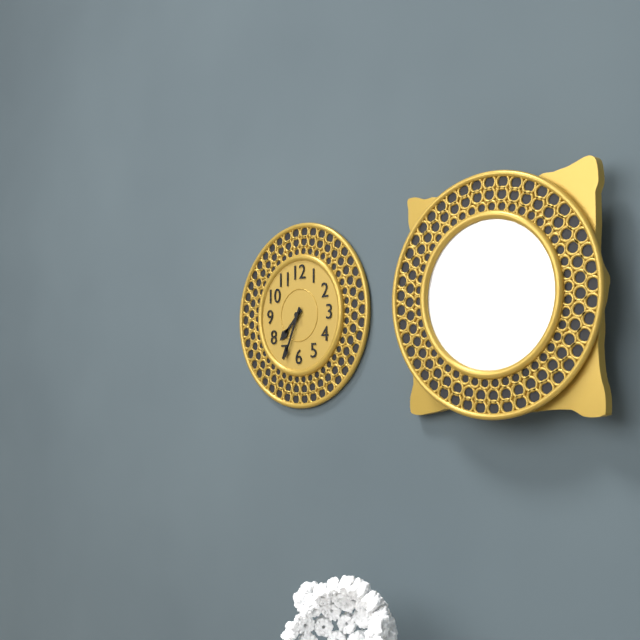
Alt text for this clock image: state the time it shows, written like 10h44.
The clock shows 7h34
